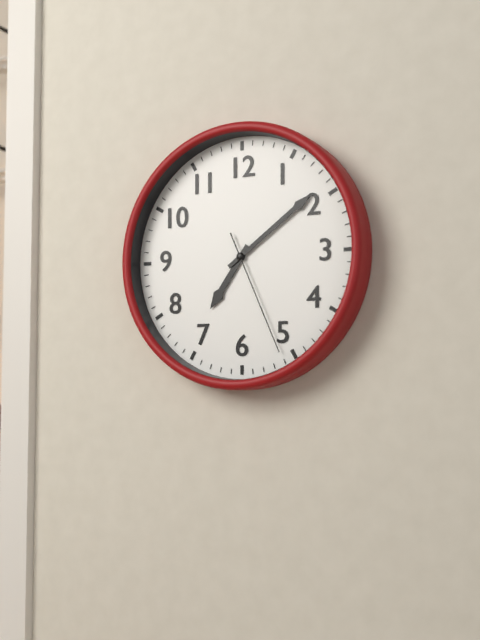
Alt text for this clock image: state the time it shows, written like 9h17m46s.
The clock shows 7h09m26s
